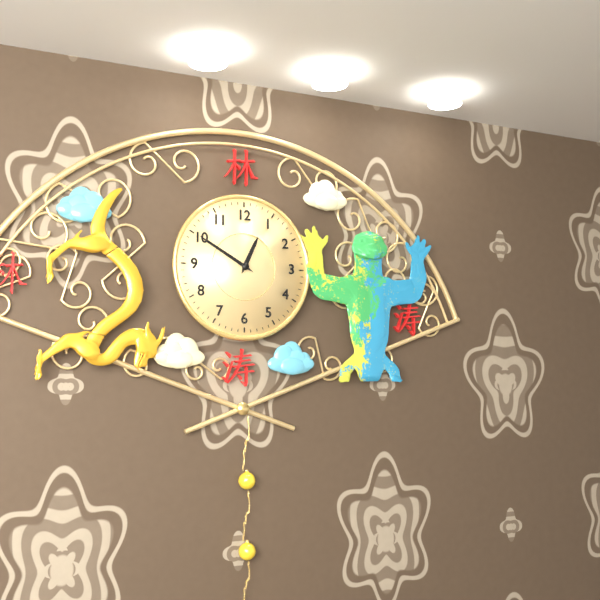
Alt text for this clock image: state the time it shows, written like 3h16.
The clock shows 12h50
